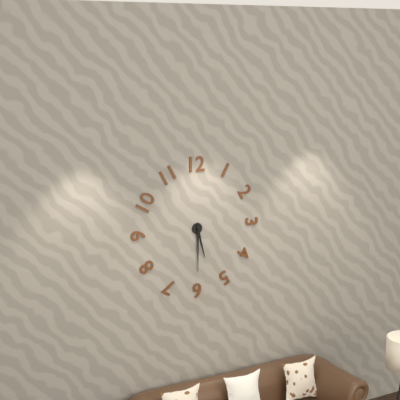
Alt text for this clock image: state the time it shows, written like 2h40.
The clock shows 5h30
